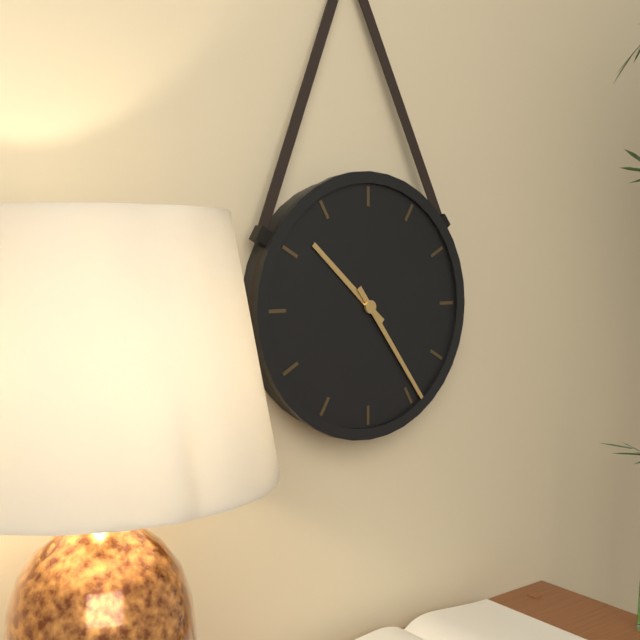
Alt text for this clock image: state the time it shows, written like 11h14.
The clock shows 10h24
